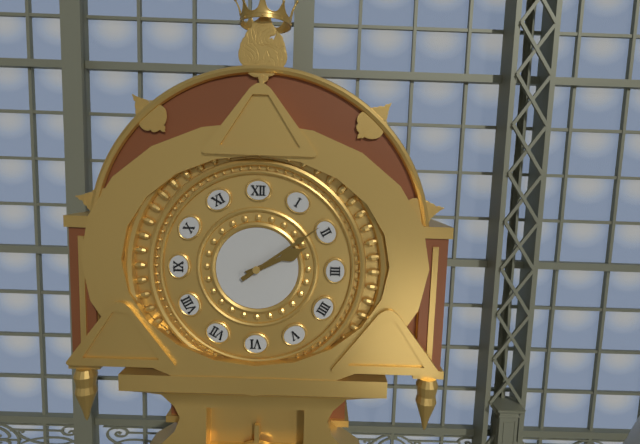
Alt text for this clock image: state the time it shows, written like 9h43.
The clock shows 2h09
